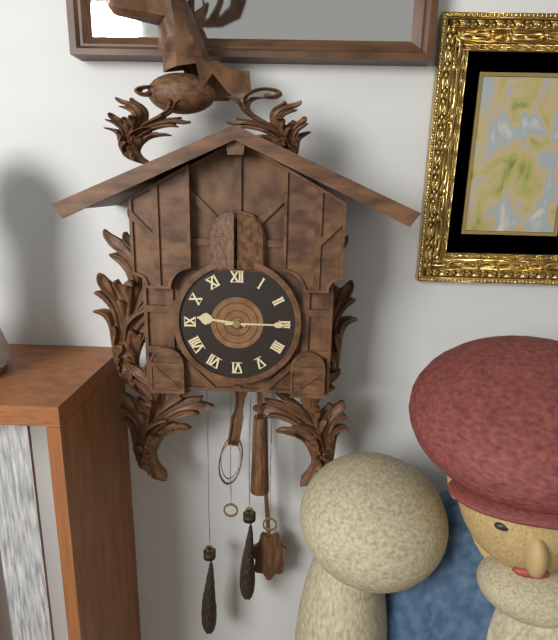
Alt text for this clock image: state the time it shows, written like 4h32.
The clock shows 9h15
